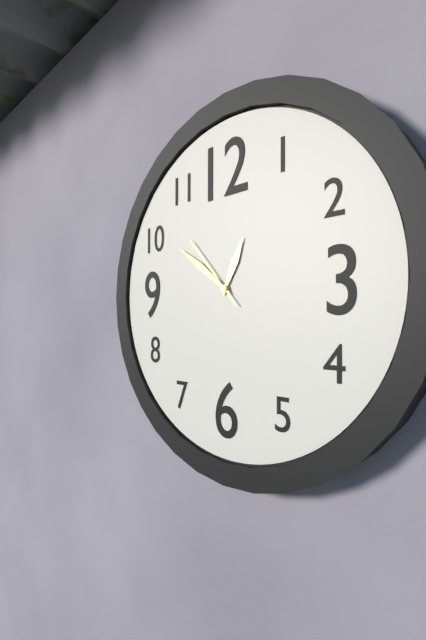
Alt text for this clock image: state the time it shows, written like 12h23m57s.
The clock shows 12h51m53s
